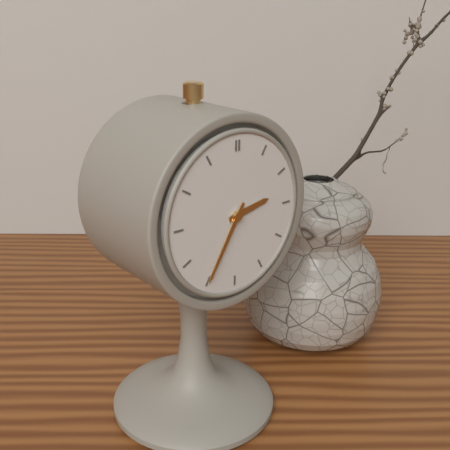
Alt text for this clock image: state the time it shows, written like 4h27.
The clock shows 2h35
